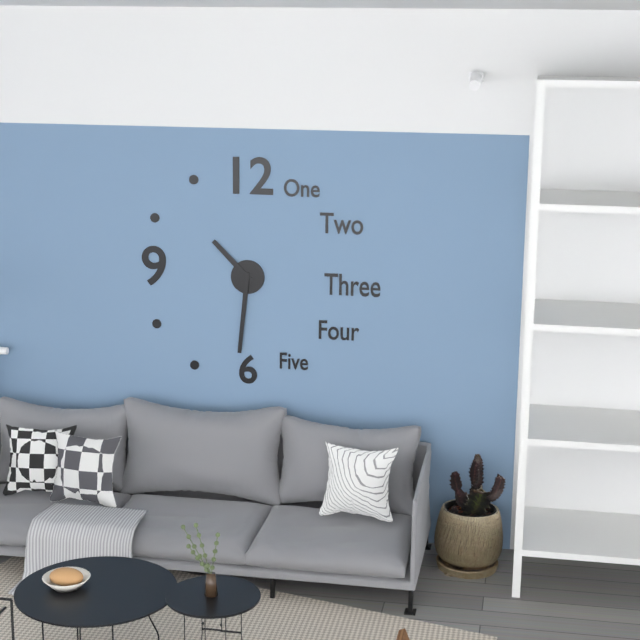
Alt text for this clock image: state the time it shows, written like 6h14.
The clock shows 10h31
